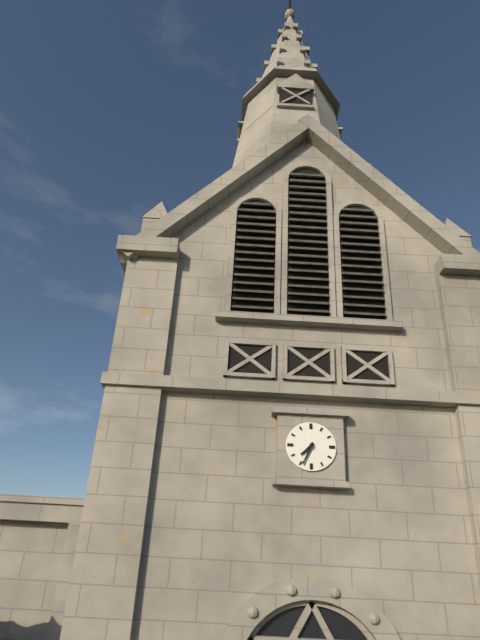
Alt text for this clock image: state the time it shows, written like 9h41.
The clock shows 7h34
